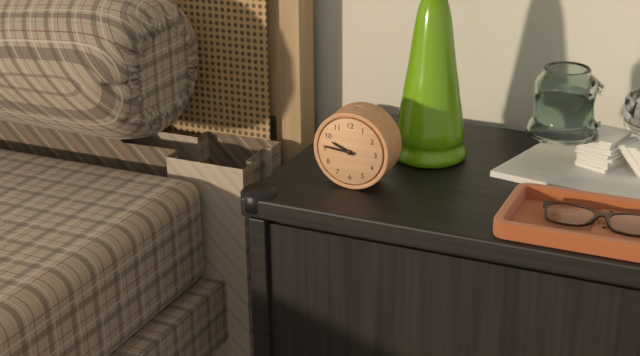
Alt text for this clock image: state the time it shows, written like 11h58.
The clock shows 9h46
